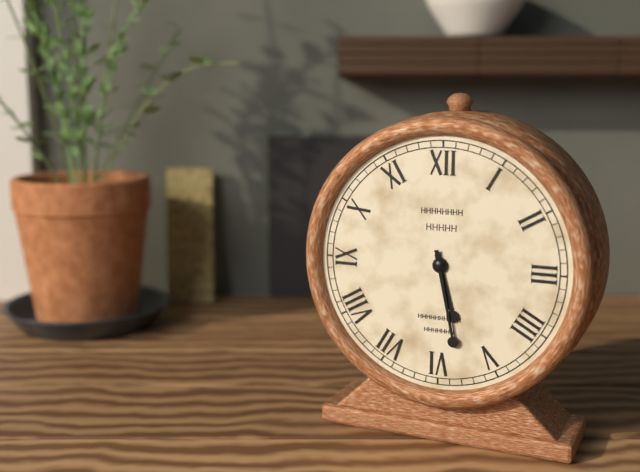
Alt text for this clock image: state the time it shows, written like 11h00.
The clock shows 5h28
